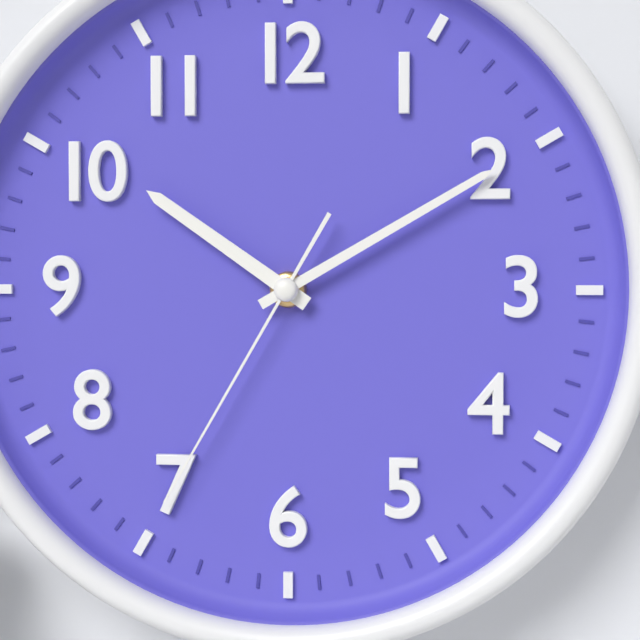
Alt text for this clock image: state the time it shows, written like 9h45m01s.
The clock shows 10h10m35s
